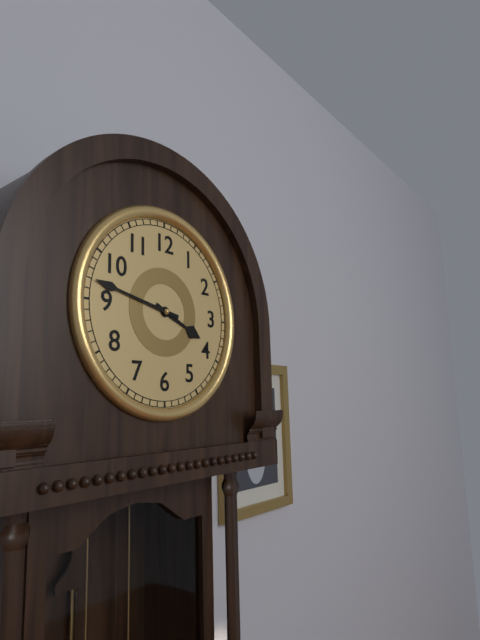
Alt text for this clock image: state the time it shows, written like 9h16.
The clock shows 3h47
